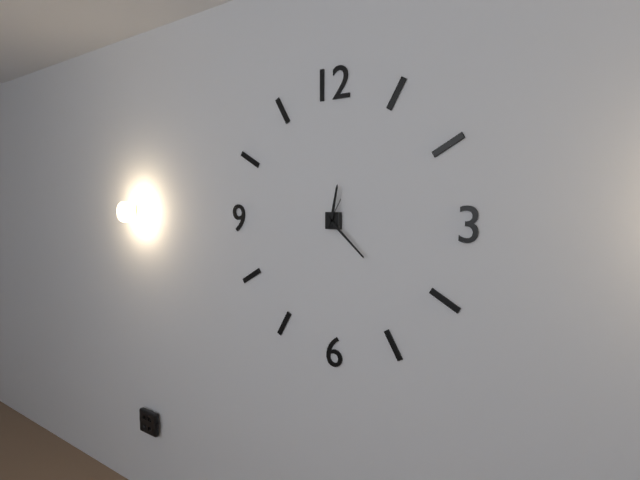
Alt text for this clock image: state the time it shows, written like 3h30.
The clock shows 12h22
